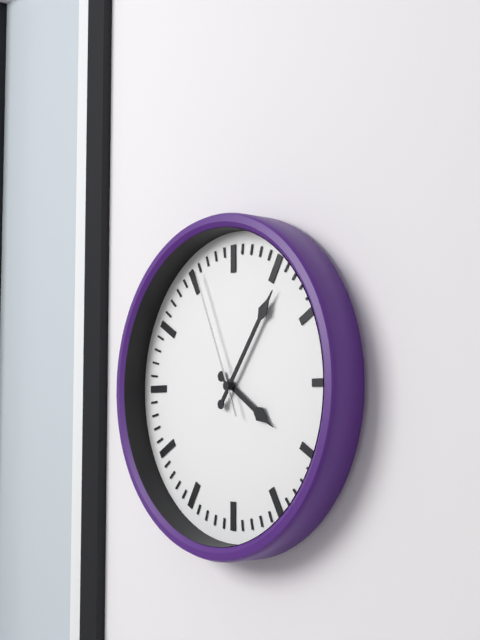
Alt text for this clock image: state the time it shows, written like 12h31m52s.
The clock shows 4h06m56s
